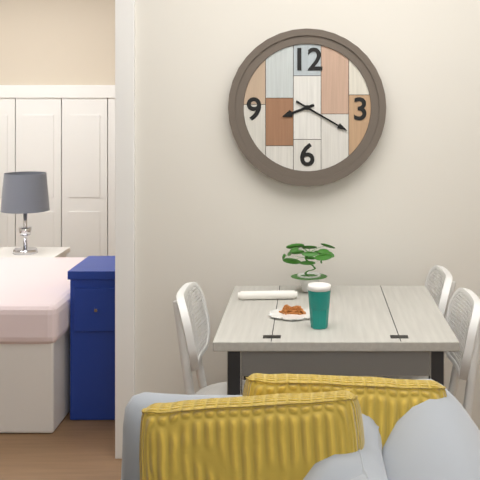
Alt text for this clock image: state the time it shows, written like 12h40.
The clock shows 8h20
